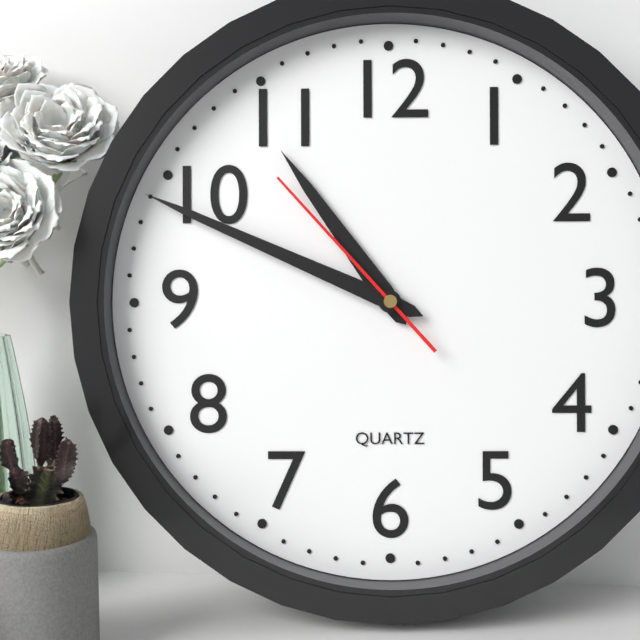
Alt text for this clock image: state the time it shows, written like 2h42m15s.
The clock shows 10h49m53s
